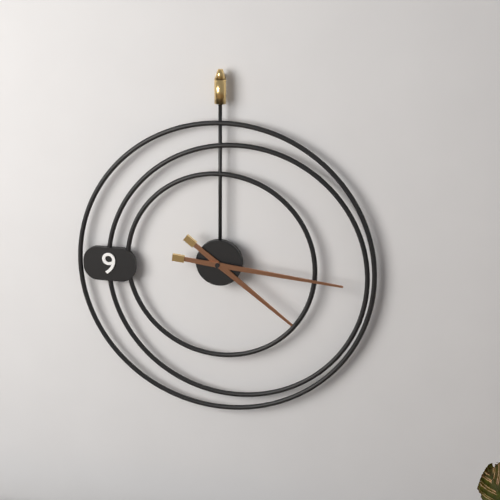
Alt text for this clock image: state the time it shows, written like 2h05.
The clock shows 4h16
